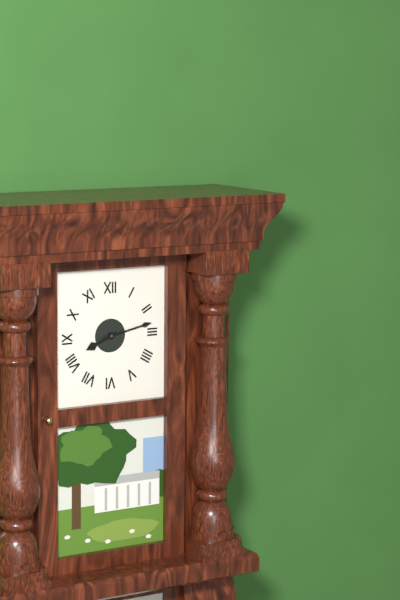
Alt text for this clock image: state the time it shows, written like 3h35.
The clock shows 8h13
